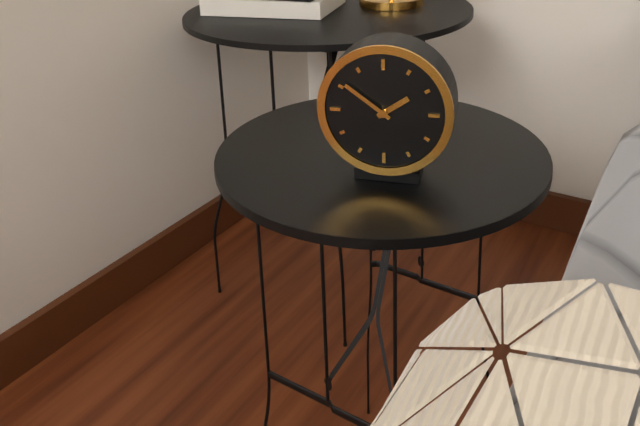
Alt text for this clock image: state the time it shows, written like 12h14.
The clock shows 1h51
